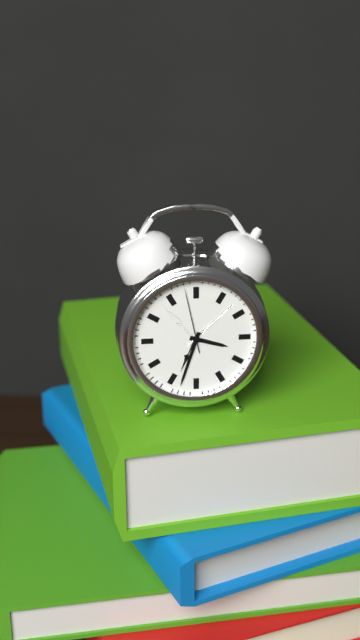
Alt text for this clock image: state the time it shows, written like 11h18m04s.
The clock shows 3h33m58s
